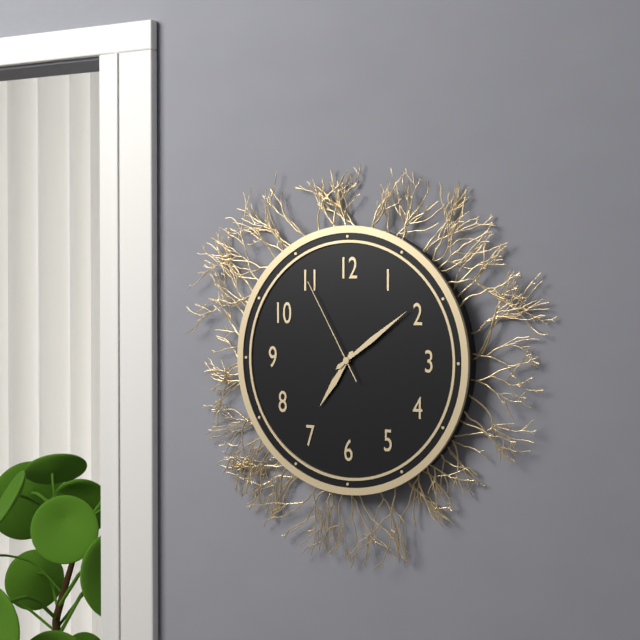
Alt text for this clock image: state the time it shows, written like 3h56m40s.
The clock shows 7h09m55s
